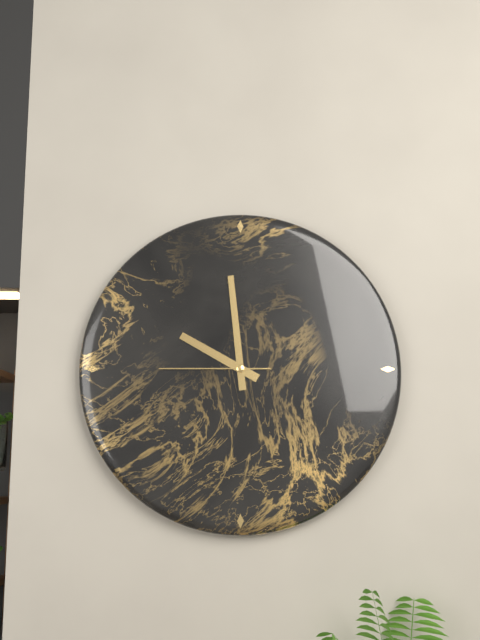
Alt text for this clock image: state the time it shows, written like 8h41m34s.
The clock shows 9h59m45s
